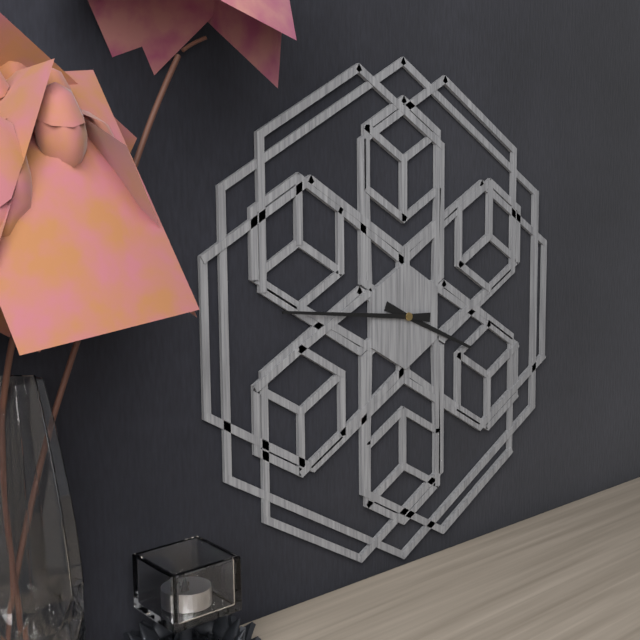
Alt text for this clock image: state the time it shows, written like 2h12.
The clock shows 3h46
